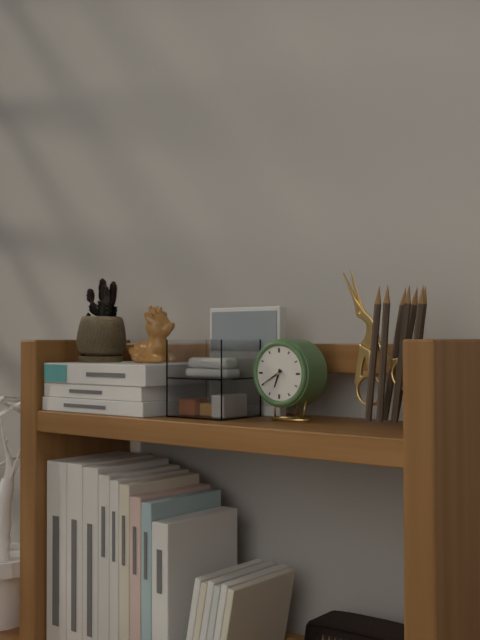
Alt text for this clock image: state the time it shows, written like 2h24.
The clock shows 6h40
